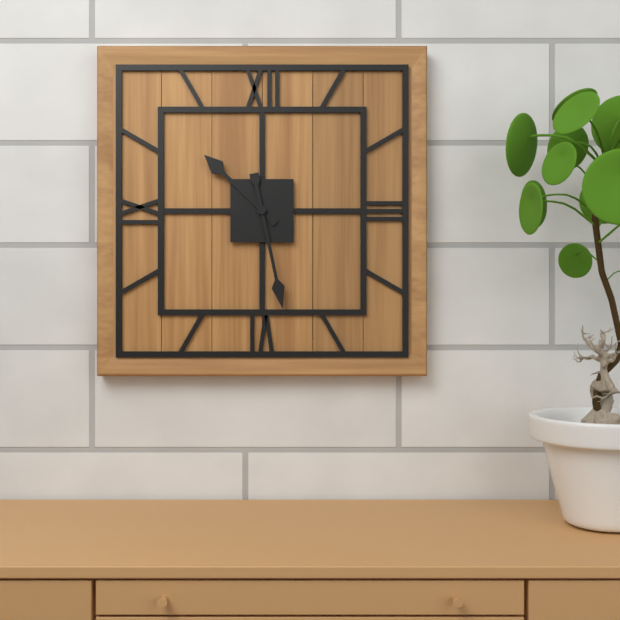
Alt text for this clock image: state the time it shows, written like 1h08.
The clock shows 10h28
